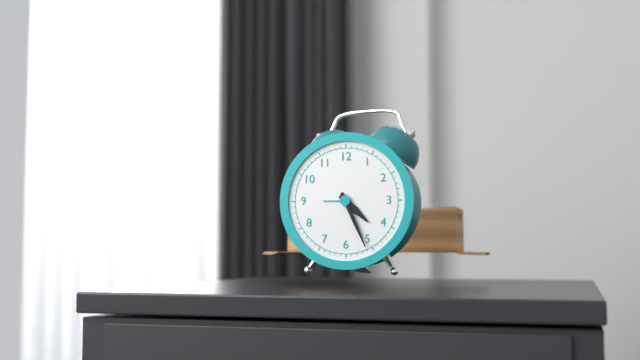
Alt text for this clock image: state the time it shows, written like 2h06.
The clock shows 4h26
